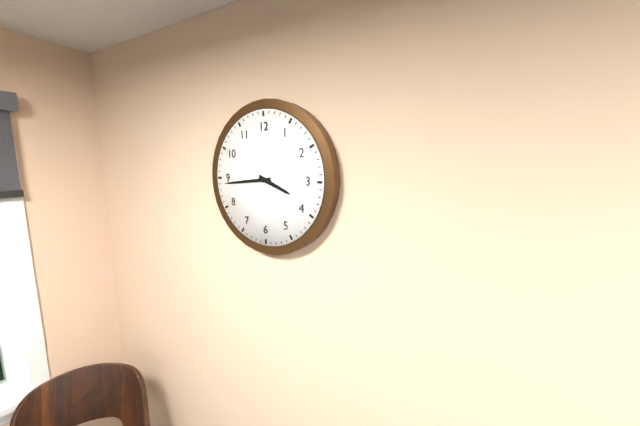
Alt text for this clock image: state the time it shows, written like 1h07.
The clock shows 3h44
